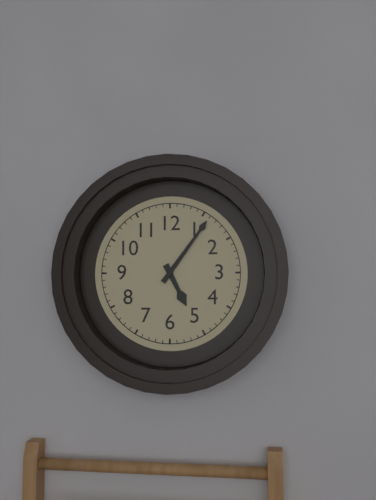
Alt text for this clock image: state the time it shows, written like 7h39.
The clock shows 5h06
